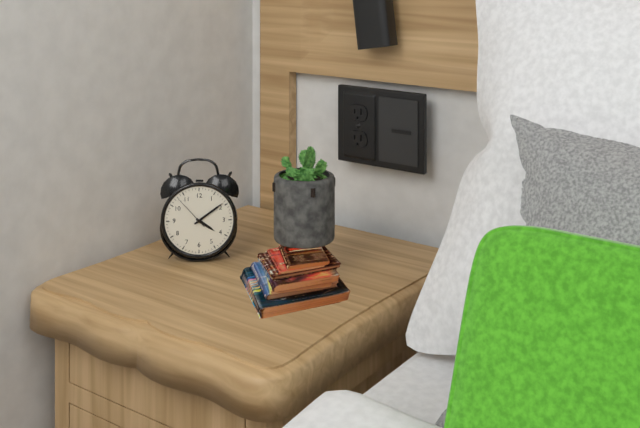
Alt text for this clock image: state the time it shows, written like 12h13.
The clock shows 4h09
